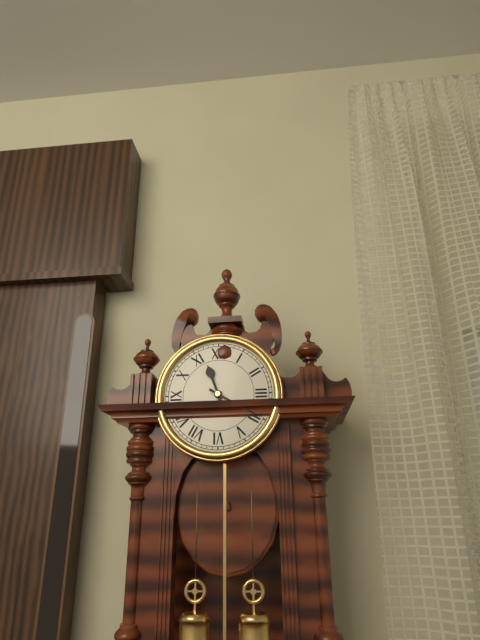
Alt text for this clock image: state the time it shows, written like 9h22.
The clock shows 11h20
